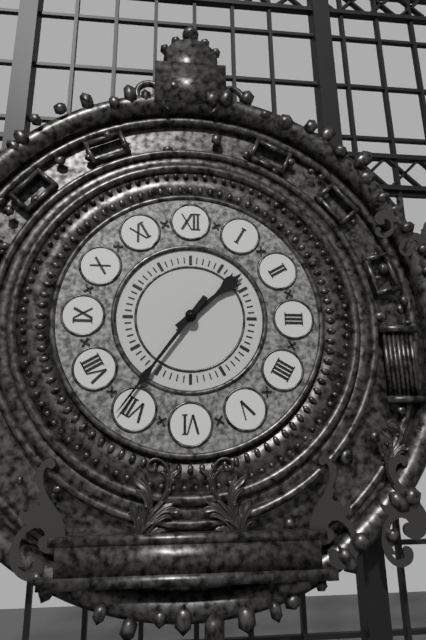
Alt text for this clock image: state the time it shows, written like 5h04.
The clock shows 1h36
